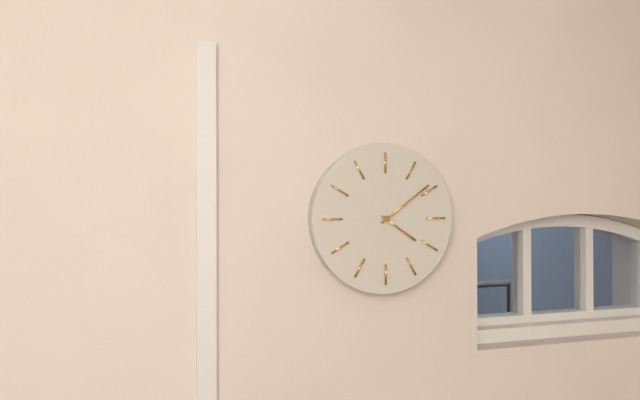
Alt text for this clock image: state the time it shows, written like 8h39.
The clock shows 4h09
